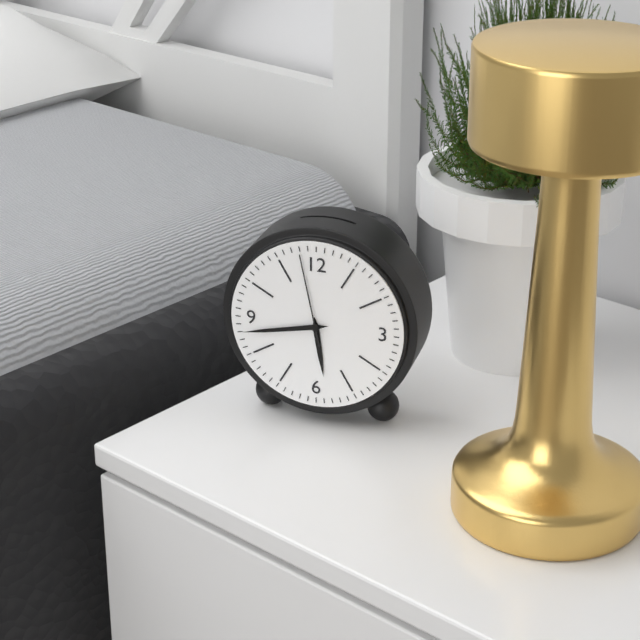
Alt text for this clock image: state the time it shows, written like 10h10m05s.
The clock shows 5h43m58s
